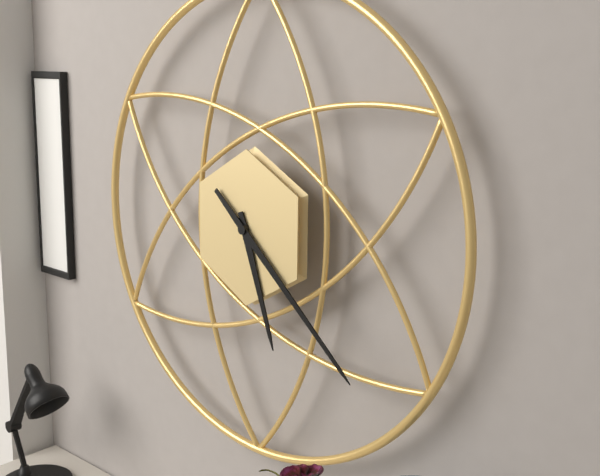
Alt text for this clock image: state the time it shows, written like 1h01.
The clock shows 5h22
